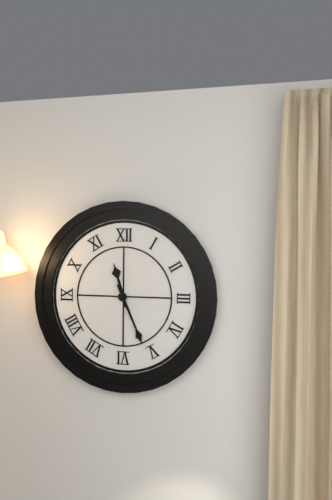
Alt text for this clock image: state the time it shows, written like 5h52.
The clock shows 11h26
